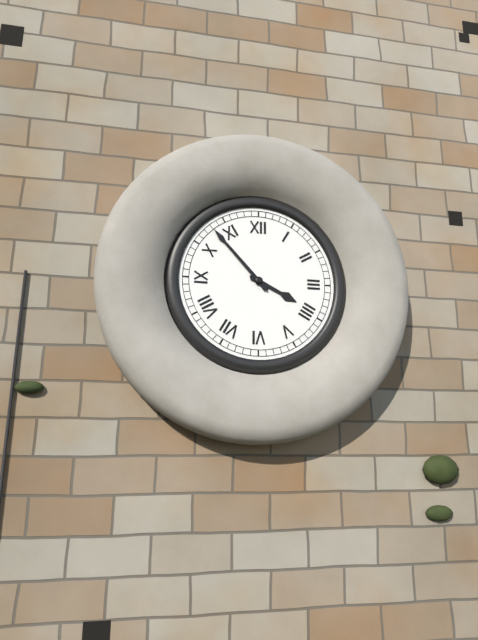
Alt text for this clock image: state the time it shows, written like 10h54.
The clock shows 3h53
